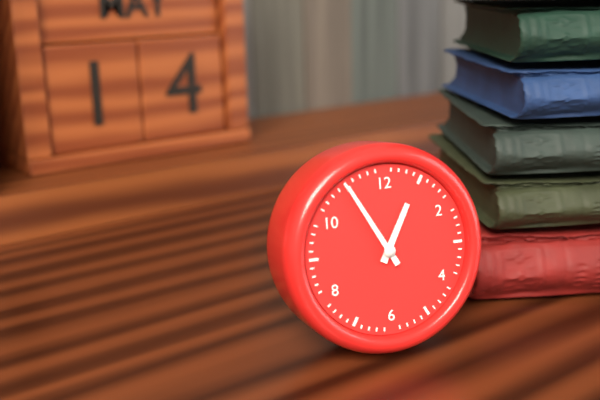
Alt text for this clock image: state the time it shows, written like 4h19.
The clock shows 12h55
